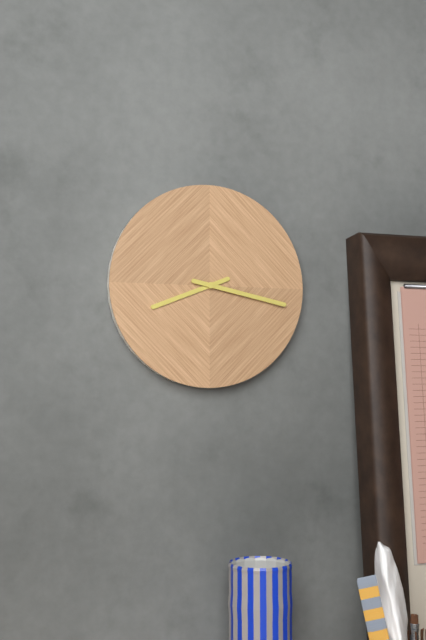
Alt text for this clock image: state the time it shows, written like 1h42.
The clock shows 8h17
